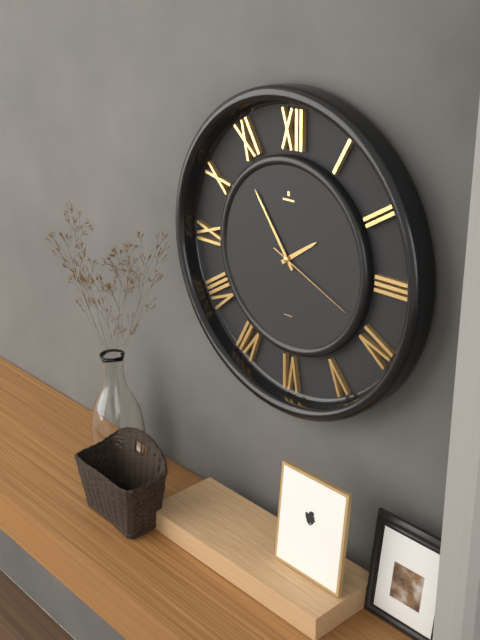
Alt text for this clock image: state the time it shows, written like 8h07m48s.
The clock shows 1h54m19s
